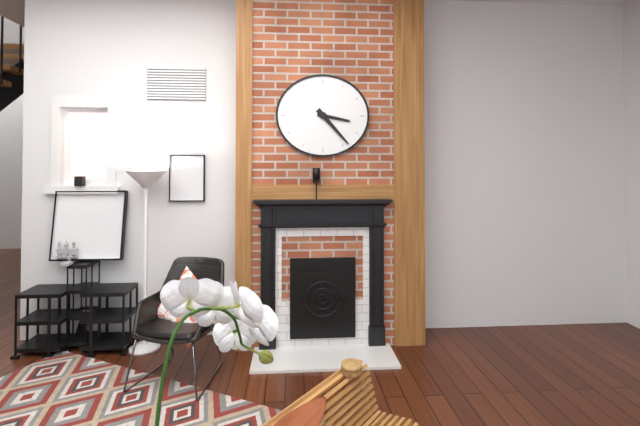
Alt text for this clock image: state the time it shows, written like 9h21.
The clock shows 3h23
